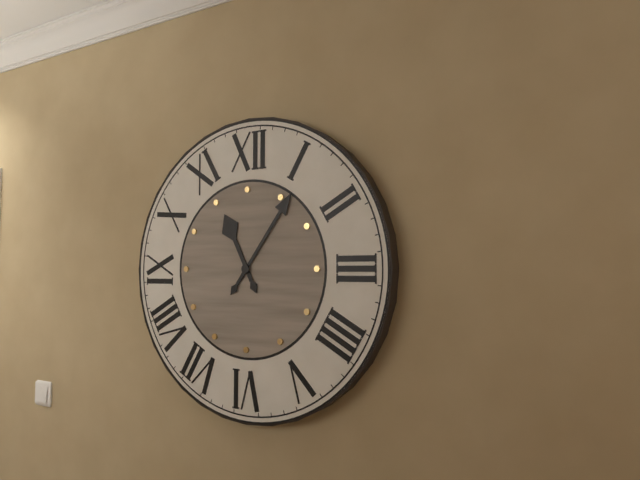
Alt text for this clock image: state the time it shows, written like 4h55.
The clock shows 11h06
